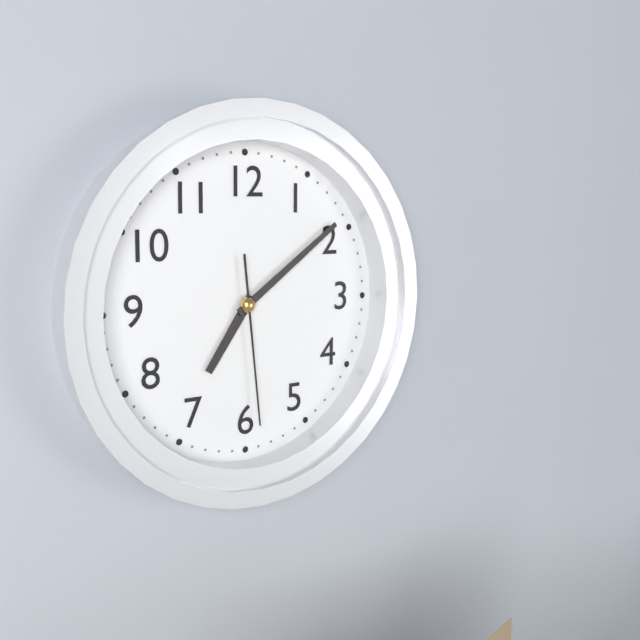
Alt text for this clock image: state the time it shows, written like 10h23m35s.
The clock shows 7h09m29s
